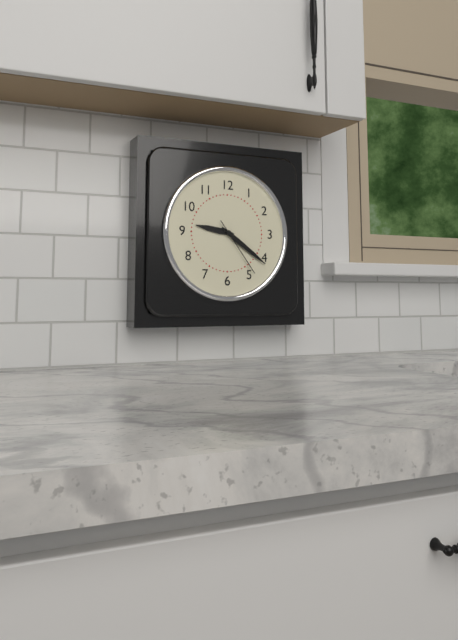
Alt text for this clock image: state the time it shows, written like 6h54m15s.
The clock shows 9h21m24s
